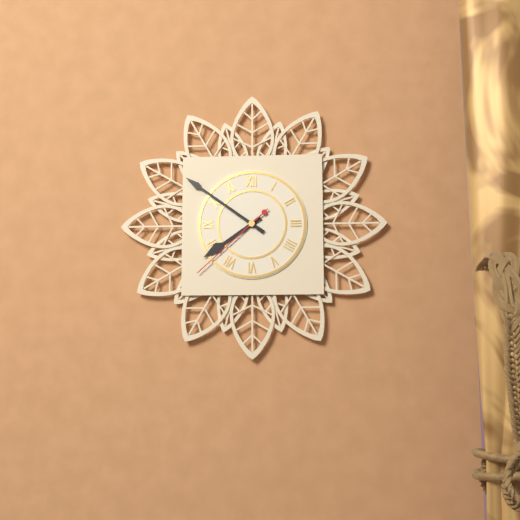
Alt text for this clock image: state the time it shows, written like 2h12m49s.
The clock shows 7h51m38s
